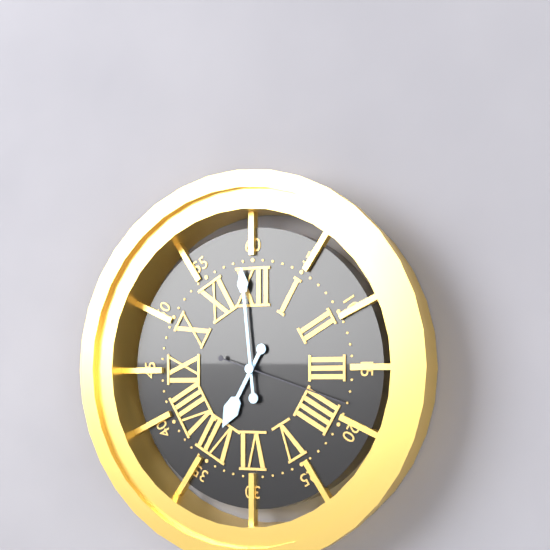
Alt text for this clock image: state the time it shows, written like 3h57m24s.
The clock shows 6h59m18s
